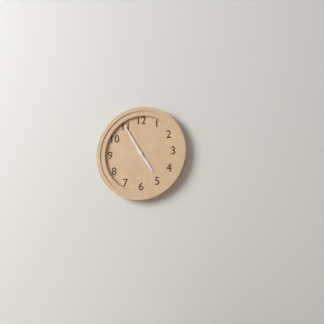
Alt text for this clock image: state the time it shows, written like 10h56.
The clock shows 4h55
